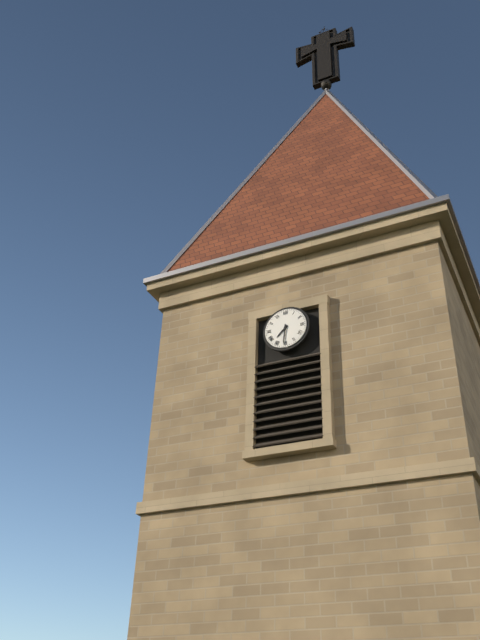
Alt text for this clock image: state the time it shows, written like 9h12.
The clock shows 7h31
